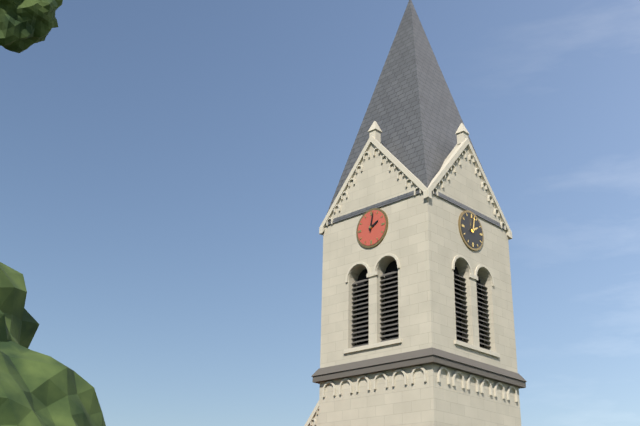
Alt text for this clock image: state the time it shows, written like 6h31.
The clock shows 2h02
